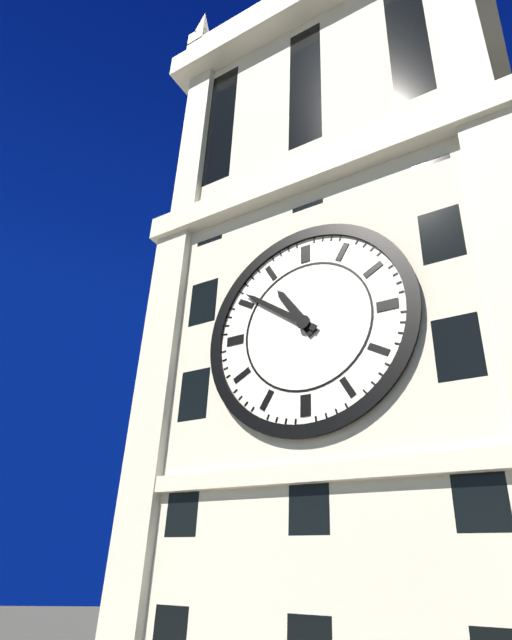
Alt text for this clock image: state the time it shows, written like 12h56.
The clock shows 10h51
